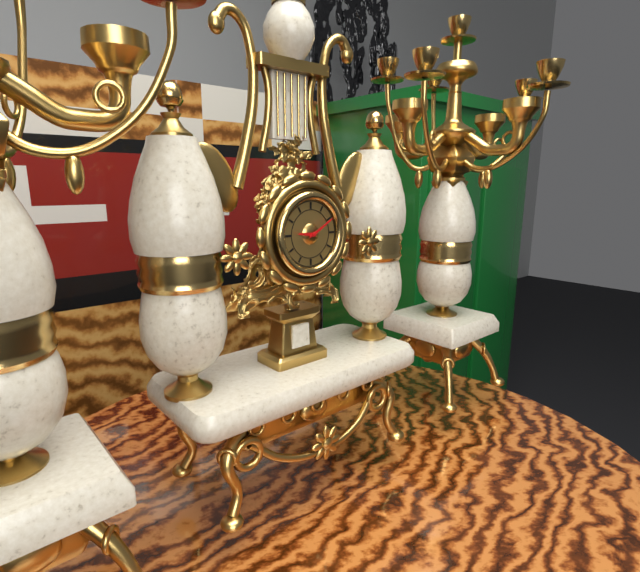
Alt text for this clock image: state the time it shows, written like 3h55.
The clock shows 9h10
